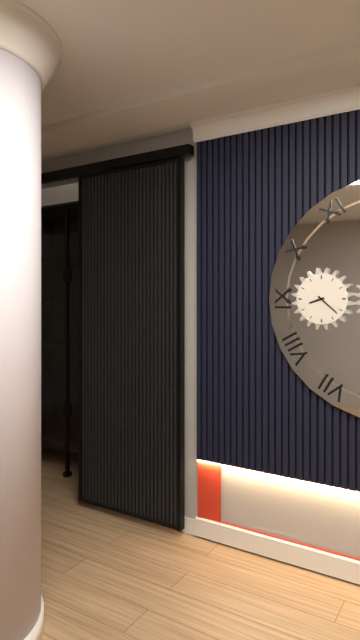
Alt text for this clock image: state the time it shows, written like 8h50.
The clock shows 8h22
